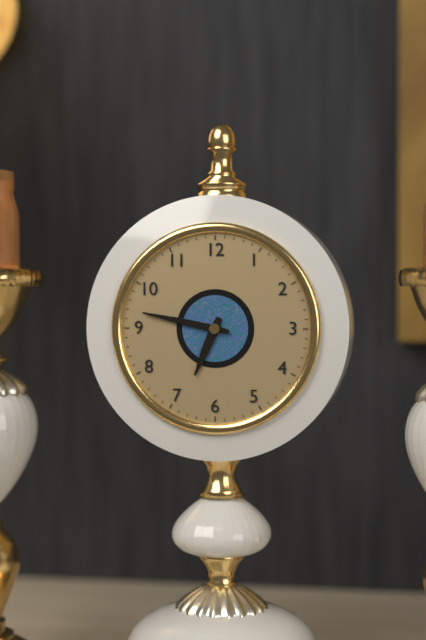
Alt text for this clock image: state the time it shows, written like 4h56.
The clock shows 6h47
